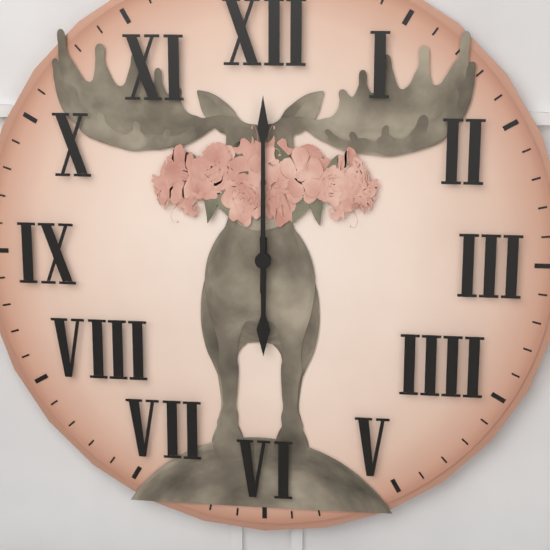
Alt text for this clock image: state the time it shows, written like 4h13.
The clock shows 6h00
